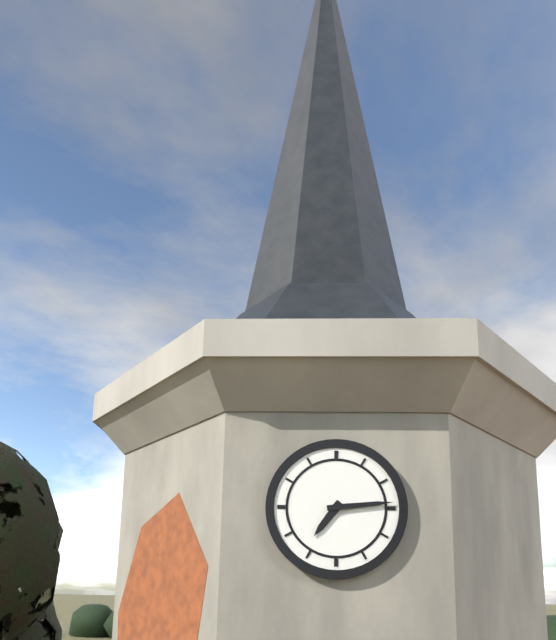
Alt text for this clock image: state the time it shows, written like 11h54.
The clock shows 7h14
